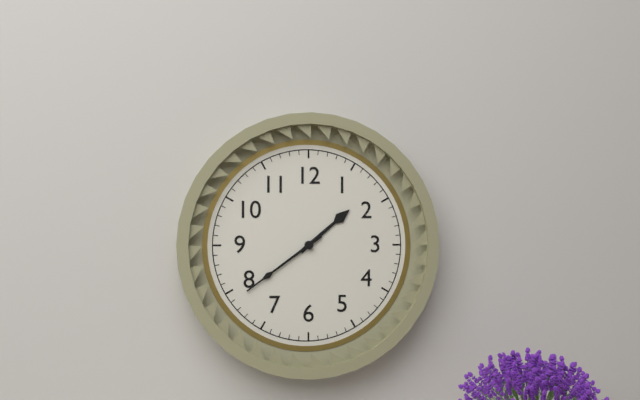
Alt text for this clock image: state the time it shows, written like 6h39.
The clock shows 1h39
